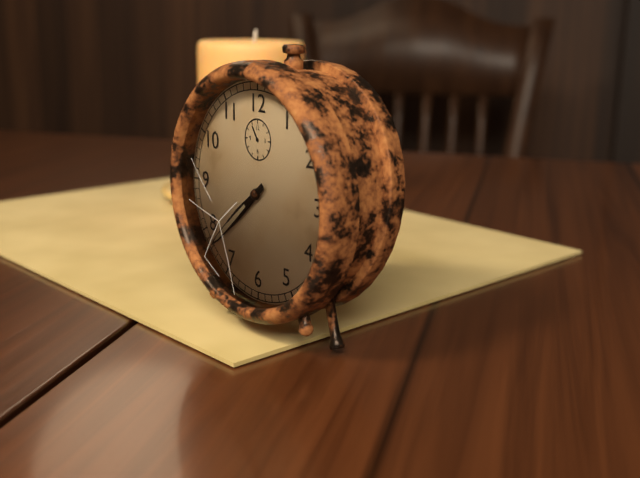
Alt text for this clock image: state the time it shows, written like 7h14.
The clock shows 7h38
